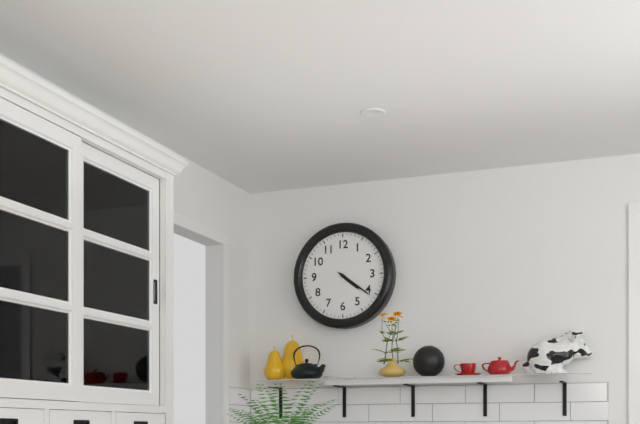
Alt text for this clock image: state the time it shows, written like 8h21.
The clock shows 4h21
